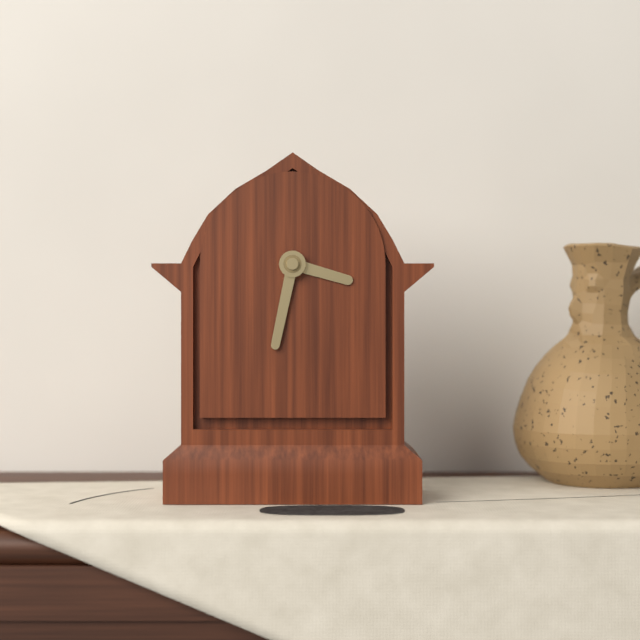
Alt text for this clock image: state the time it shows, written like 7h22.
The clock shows 3h32
